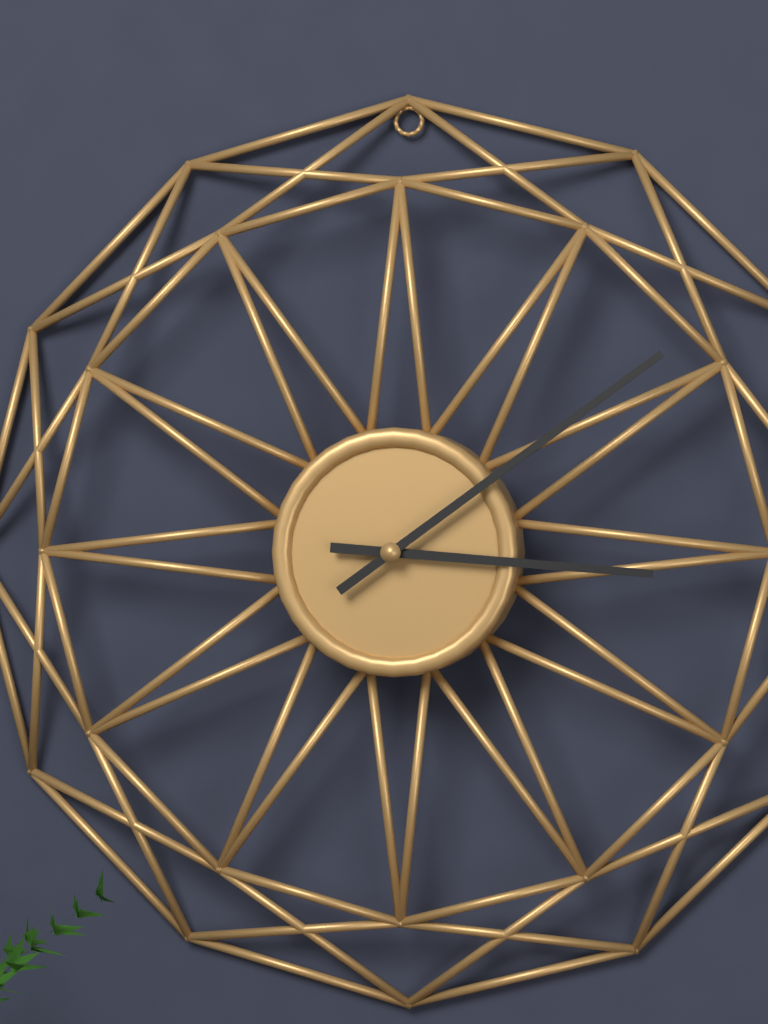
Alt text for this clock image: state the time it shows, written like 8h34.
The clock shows 3h09
